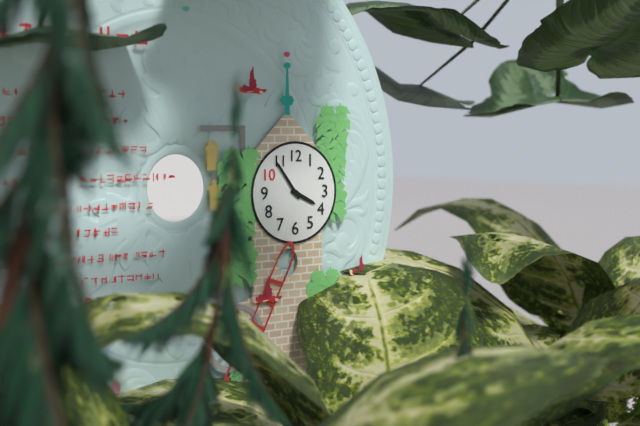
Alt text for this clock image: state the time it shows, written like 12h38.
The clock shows 3h54
